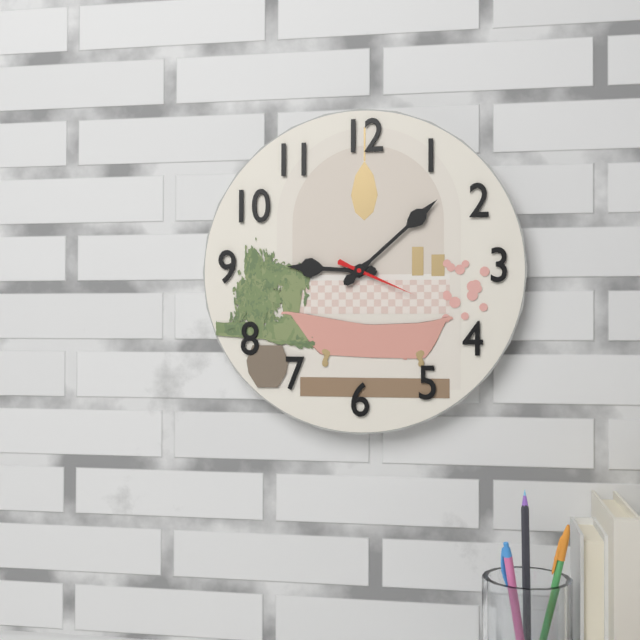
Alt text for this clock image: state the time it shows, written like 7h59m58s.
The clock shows 9h08m19s
